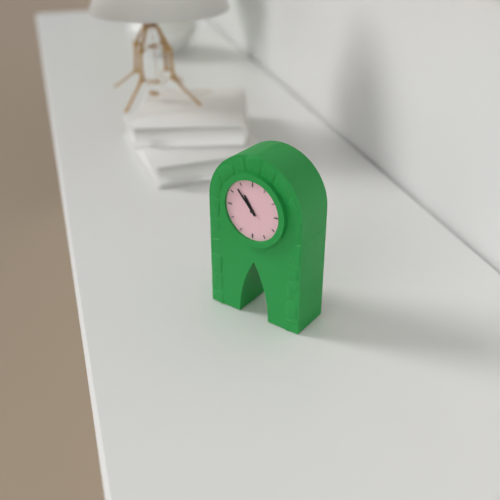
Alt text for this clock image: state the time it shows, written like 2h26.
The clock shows 10h53
